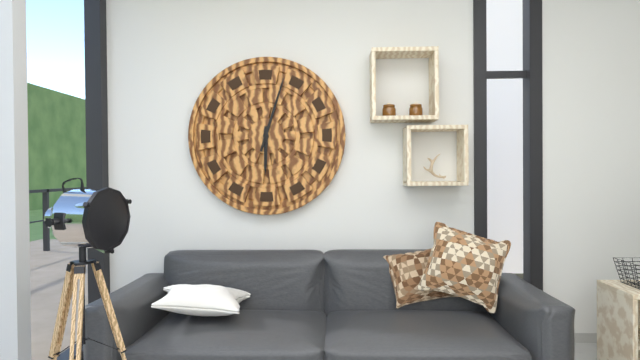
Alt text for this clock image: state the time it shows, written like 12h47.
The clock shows 6h03
